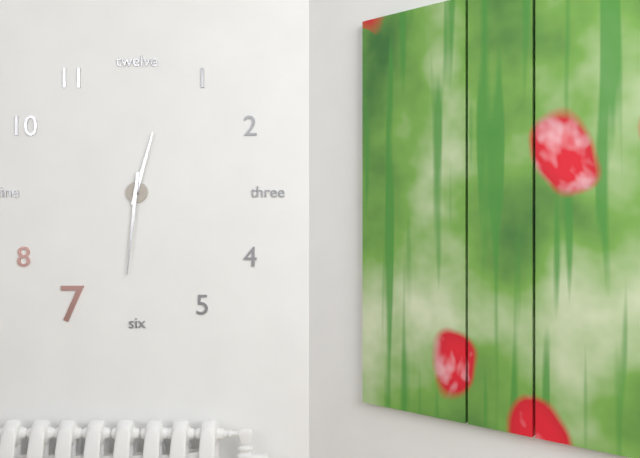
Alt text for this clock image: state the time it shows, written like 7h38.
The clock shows 12h31
